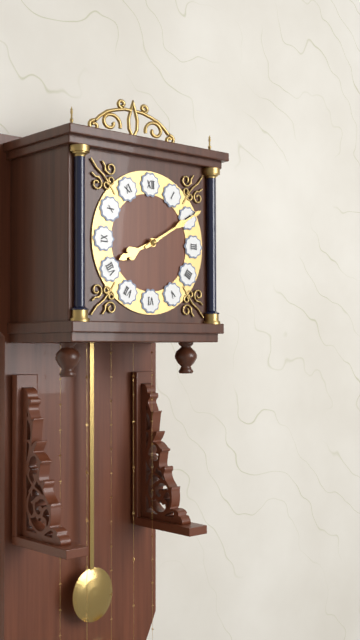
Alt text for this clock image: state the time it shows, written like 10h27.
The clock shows 8h10
